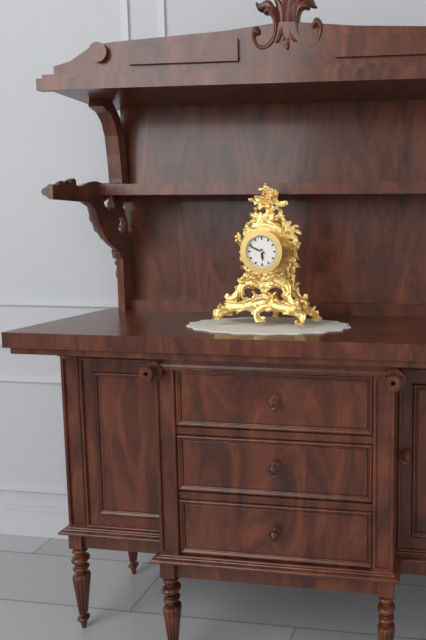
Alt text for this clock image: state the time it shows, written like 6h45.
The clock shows 5h49
